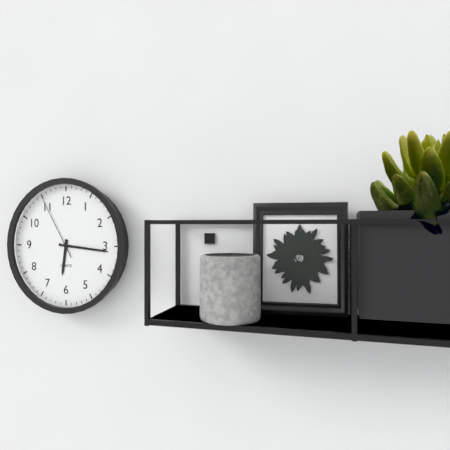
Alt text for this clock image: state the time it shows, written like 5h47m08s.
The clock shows 6h16m55s
